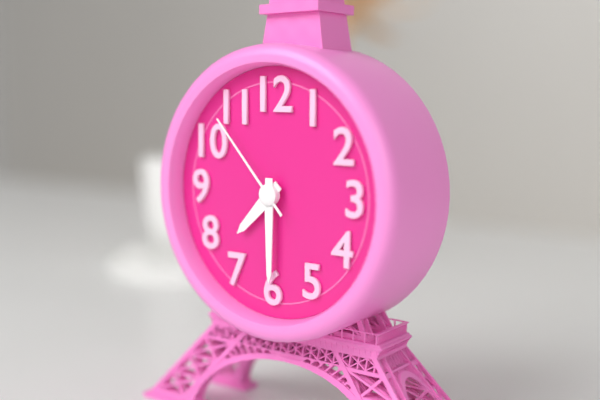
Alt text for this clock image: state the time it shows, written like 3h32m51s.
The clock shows 7h30m53s
